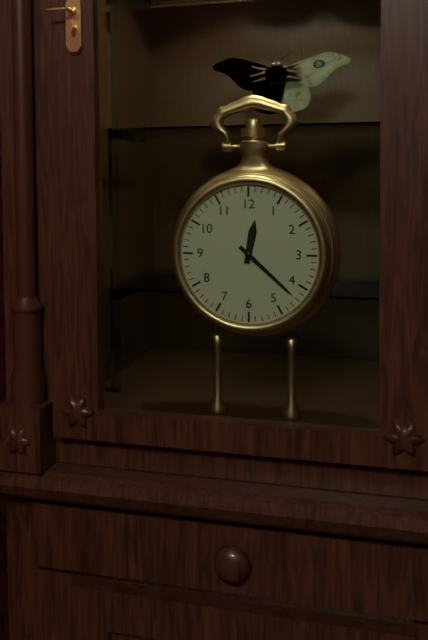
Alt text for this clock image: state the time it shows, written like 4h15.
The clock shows 12h22
